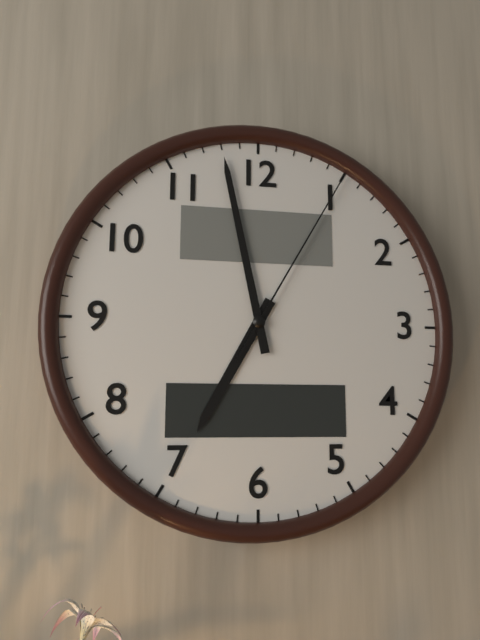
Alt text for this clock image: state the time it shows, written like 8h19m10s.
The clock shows 6h58m05s
